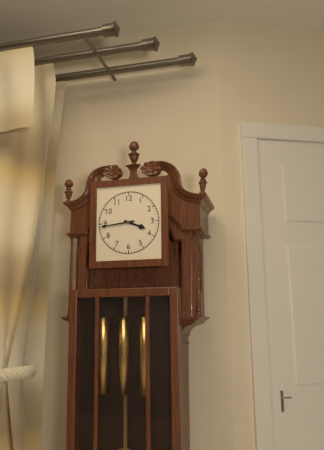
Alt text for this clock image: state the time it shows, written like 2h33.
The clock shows 3h44
